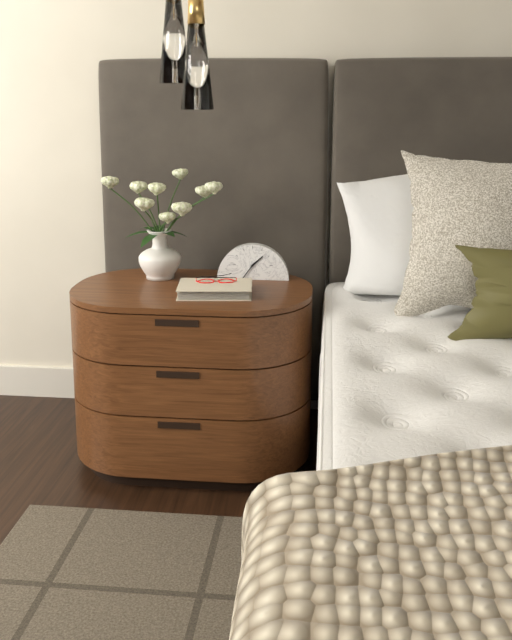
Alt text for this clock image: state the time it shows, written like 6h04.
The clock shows 1h36
